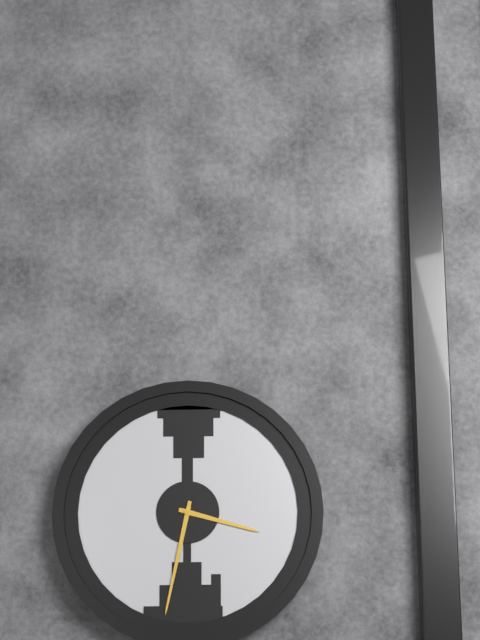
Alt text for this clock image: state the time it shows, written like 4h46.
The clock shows 3h32
